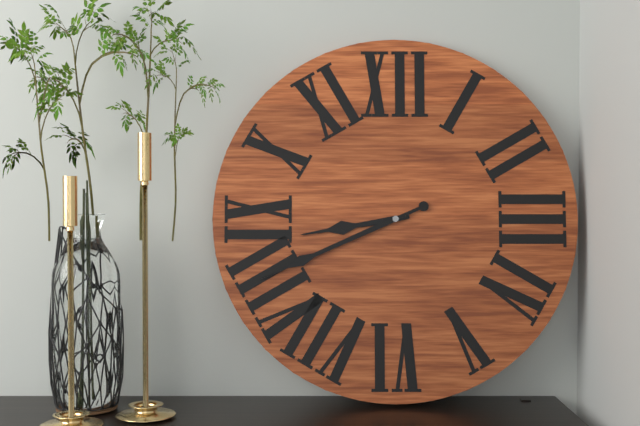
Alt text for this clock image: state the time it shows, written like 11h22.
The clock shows 8h41
